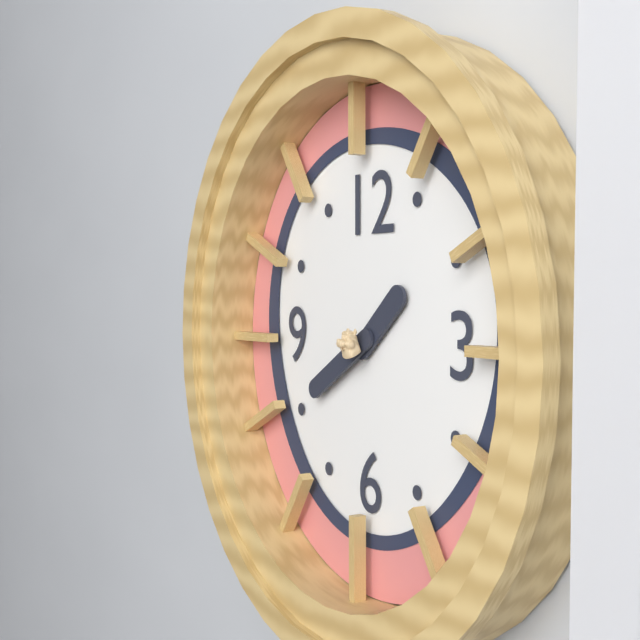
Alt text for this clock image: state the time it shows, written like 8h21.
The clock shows 1h40
